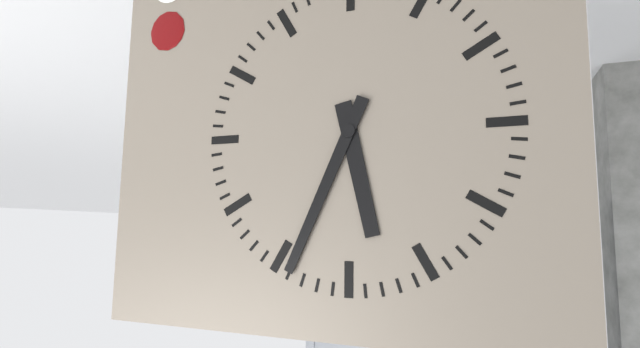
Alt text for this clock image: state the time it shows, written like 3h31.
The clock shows 5h34
